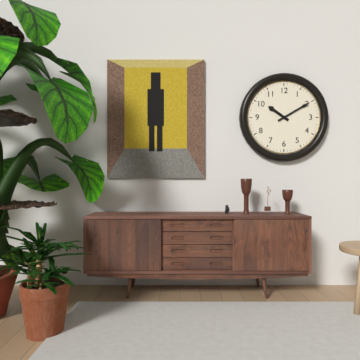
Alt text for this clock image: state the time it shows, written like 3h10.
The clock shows 10h10
